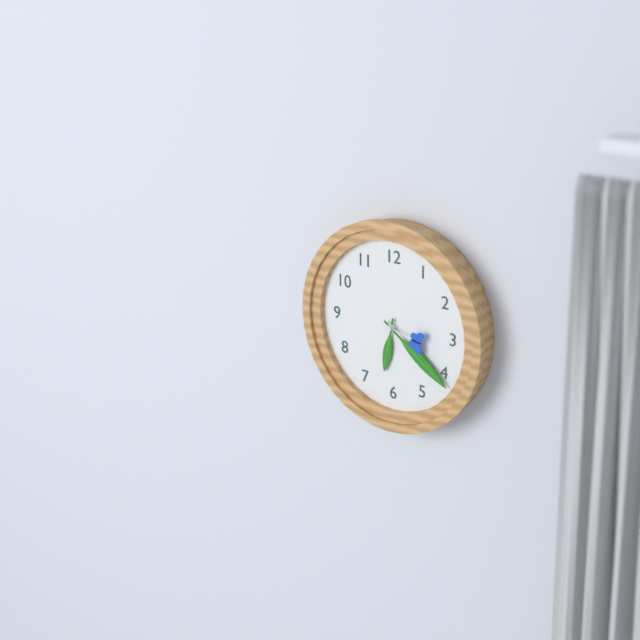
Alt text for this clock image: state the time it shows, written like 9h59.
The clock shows 6h21
